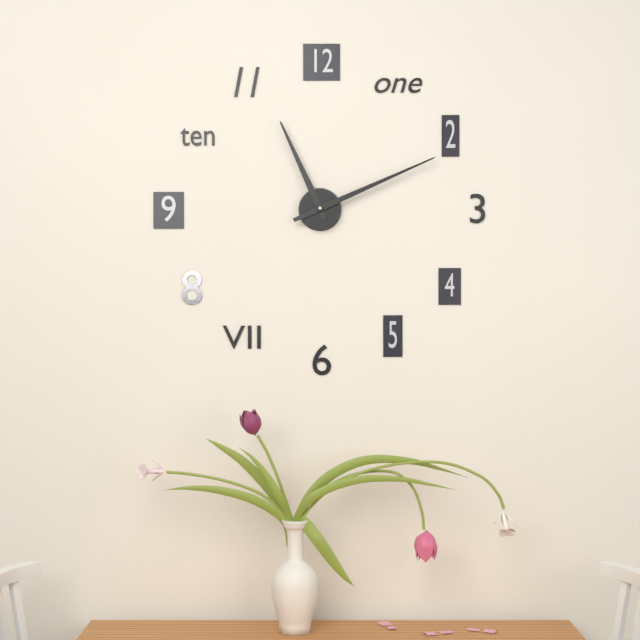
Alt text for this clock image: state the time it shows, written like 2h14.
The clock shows 11h11
